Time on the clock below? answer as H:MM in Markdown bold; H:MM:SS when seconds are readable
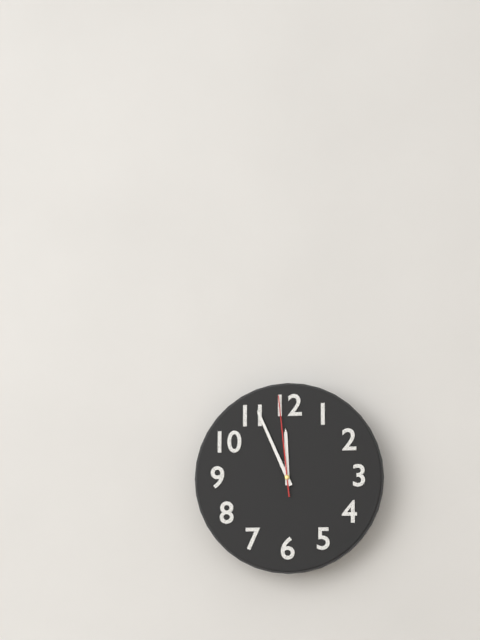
**11:56:59**
